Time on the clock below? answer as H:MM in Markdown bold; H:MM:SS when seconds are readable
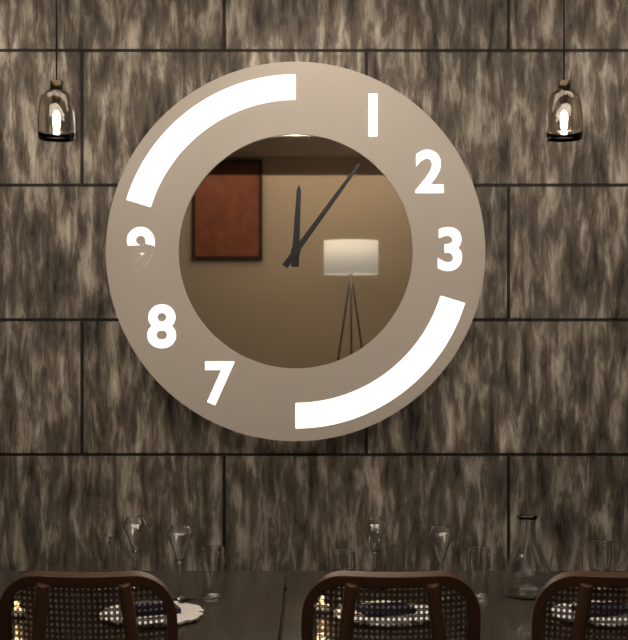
**12:06**
